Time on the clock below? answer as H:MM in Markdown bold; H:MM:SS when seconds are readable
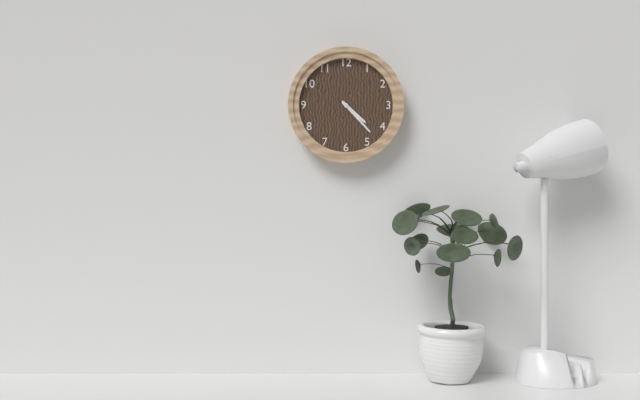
**4:23**
